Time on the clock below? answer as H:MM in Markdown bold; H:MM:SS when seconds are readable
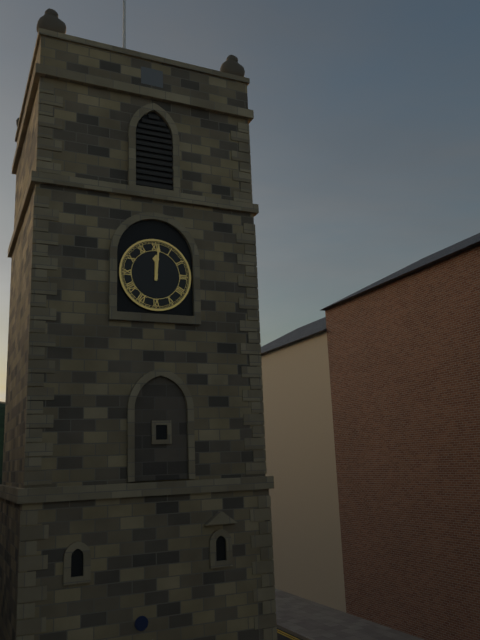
**12:01**
